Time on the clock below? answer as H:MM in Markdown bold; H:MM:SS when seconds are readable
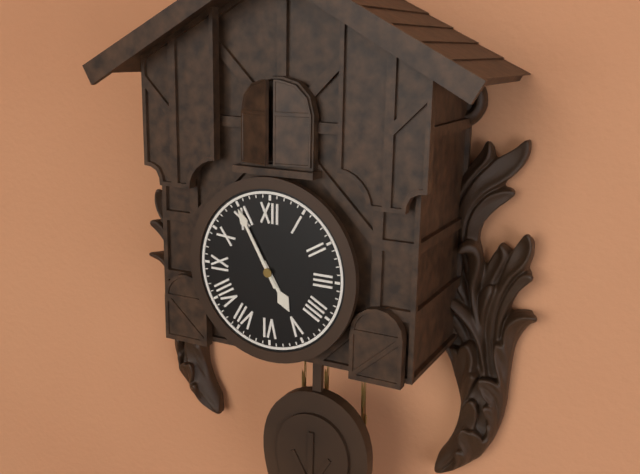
**4:55**
